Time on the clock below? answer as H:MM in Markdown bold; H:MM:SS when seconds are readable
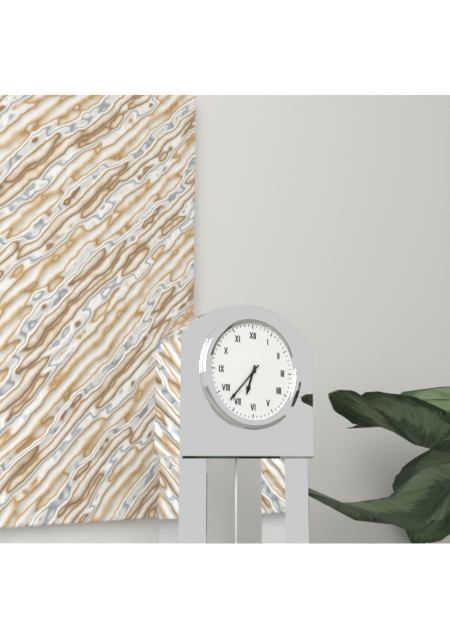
**6:37**
